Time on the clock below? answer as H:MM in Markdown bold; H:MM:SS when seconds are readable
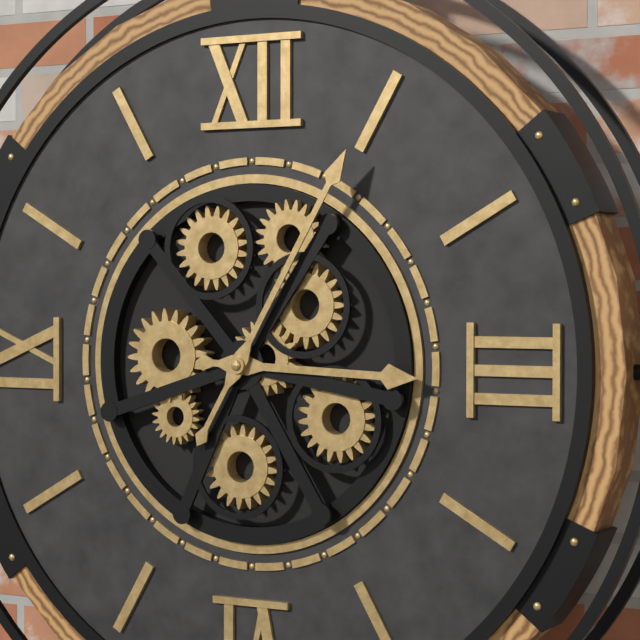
**3:05**
